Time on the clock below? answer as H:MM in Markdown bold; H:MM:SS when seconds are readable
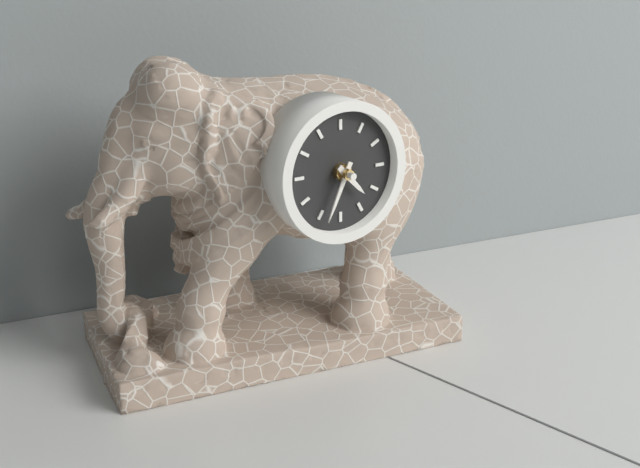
**4:34**
